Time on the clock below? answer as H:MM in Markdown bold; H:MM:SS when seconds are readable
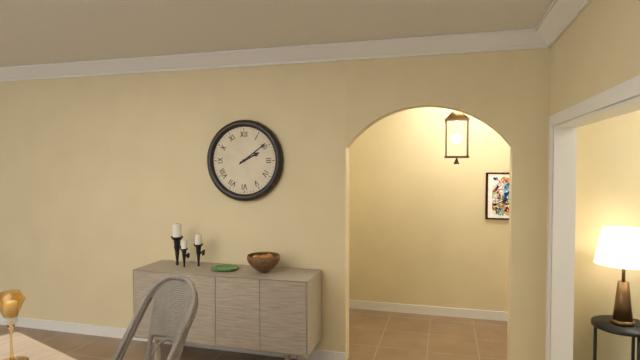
**2:09**
